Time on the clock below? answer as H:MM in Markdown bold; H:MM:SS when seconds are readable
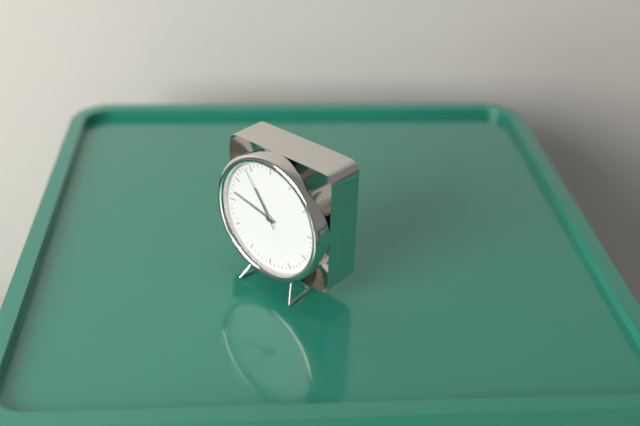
**10:47:54**
